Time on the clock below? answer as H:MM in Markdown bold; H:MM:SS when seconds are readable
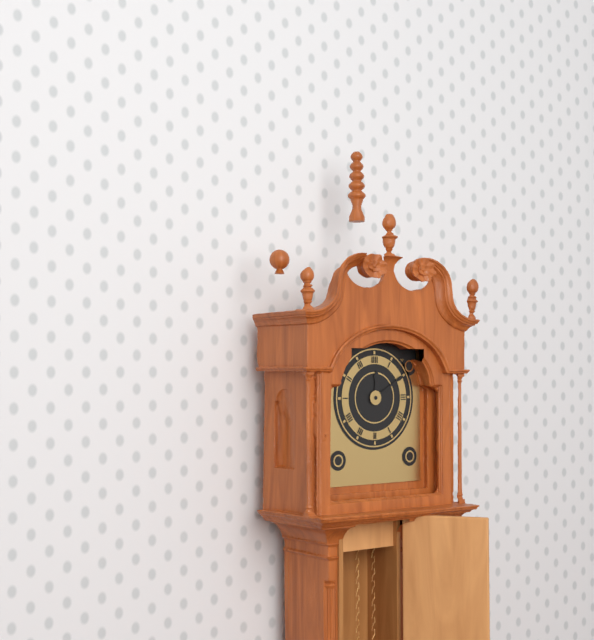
**12:10**
